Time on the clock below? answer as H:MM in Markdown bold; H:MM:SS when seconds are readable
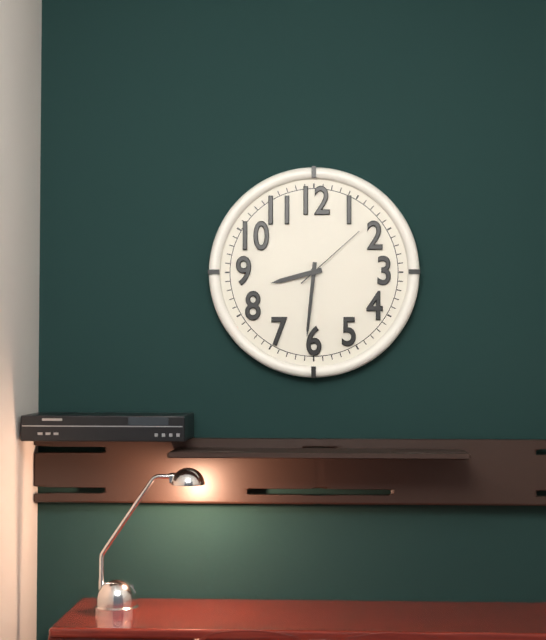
**8:31:08**
